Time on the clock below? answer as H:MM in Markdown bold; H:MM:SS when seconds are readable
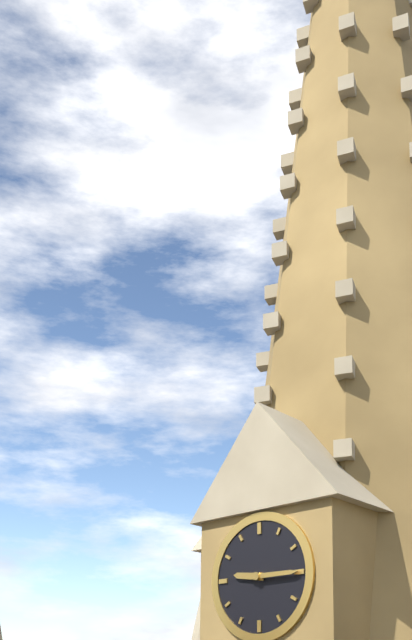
**9:15**
